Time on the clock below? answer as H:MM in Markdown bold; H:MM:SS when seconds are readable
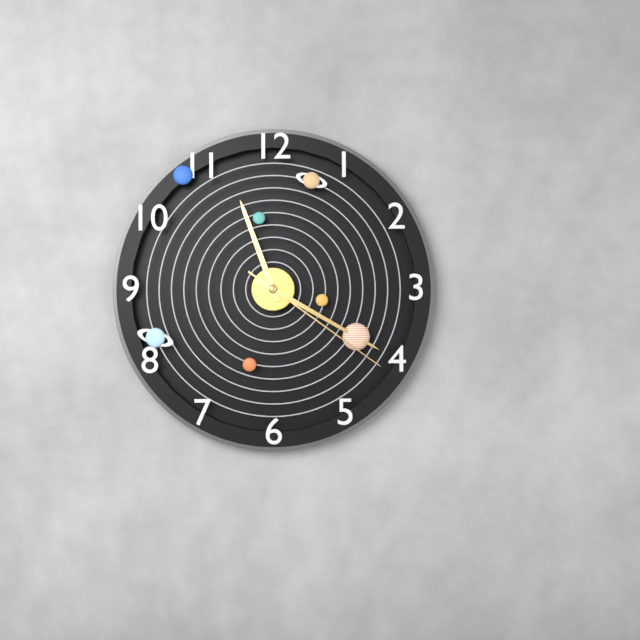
**11:20:21**
